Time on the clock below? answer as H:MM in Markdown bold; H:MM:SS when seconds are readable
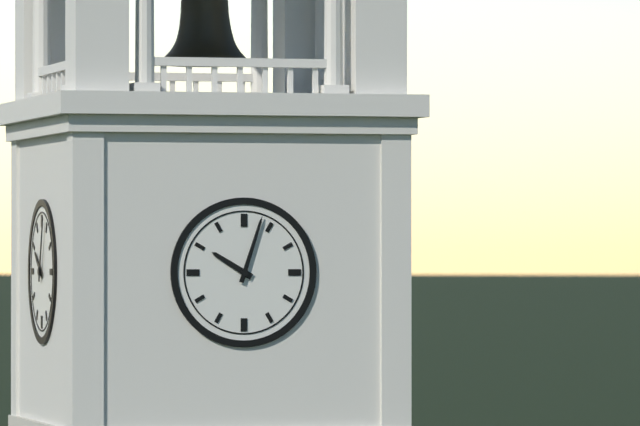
**10:03**
